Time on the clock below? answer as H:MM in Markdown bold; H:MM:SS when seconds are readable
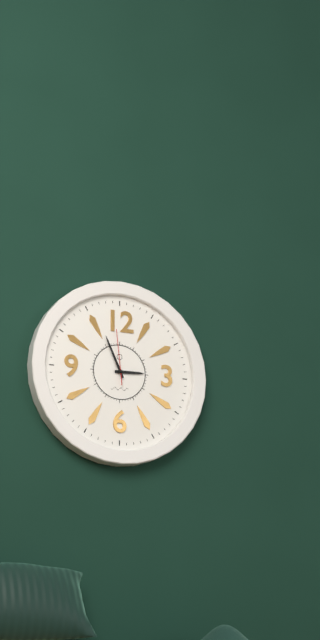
**2:56:59**
